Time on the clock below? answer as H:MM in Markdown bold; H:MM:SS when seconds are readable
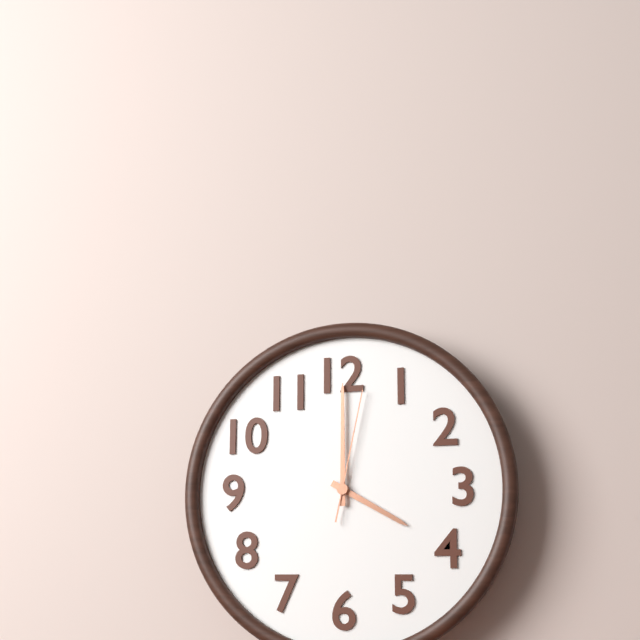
**4:00:02**
